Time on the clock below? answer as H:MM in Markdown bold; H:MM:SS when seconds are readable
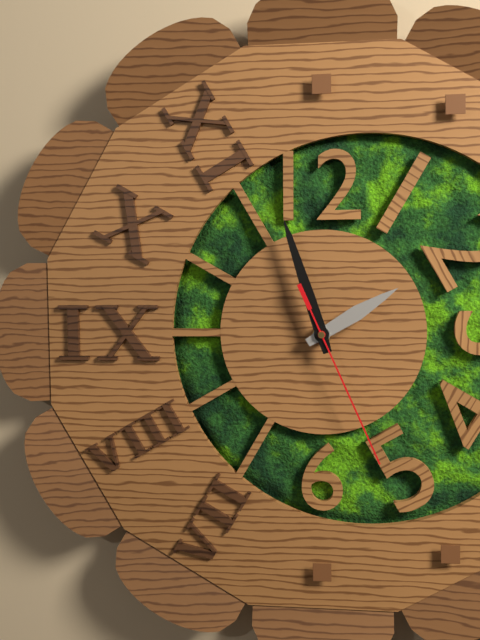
**1:57:26**
